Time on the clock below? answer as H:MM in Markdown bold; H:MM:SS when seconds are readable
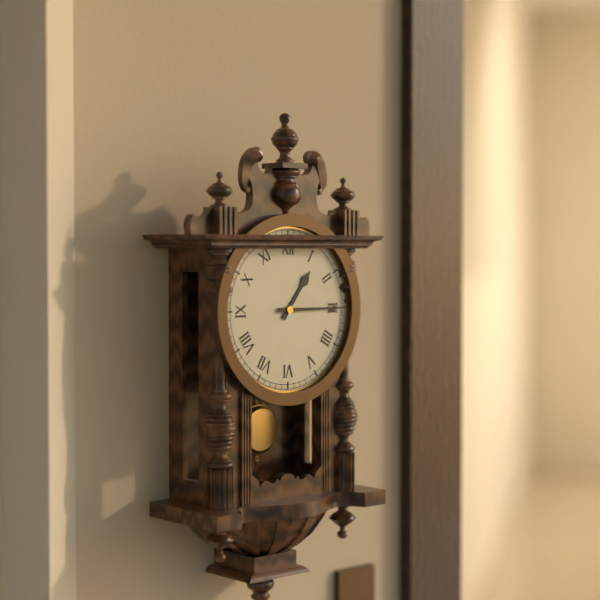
**1:15**
